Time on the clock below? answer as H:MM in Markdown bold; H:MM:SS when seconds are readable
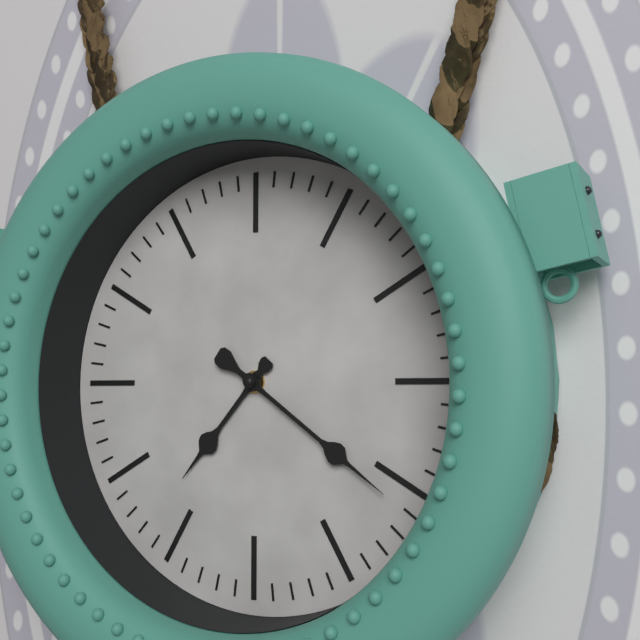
**7:21**
